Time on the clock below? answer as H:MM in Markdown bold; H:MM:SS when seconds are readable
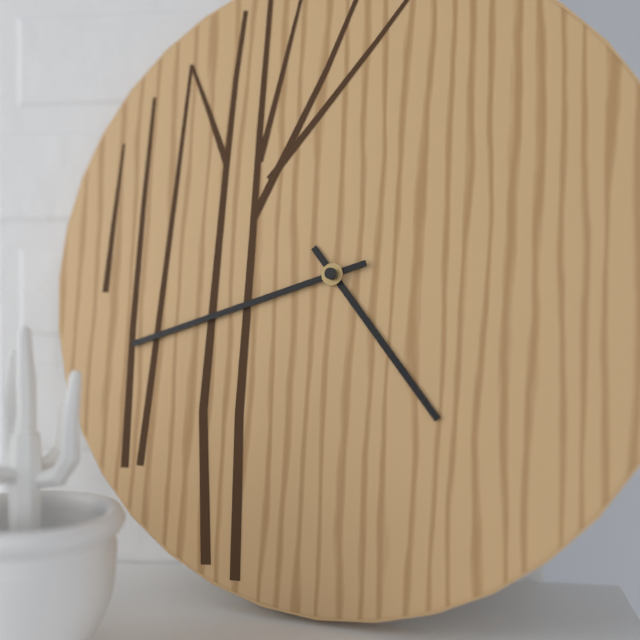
**4:42**
